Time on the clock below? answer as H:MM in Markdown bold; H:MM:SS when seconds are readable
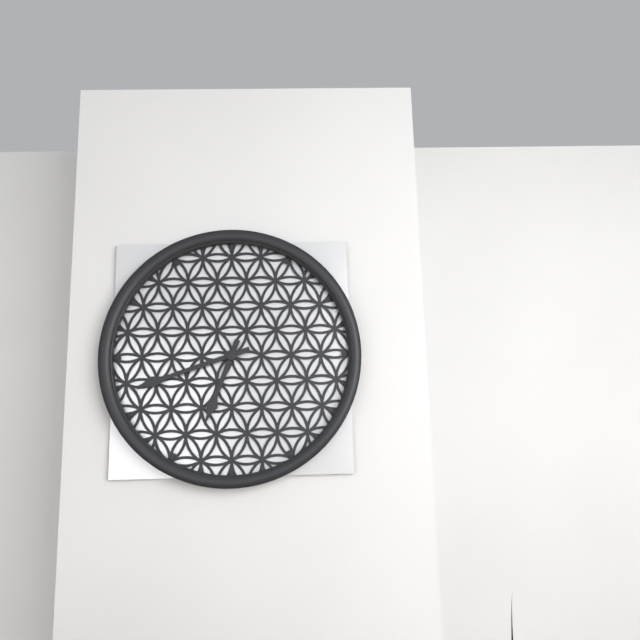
**6:42**
